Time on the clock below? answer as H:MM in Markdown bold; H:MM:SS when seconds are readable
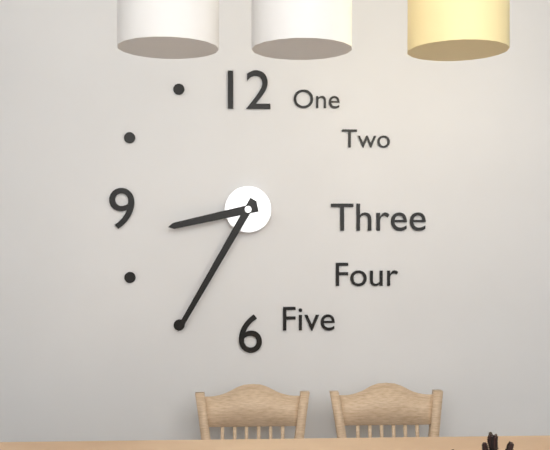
**8:35**
